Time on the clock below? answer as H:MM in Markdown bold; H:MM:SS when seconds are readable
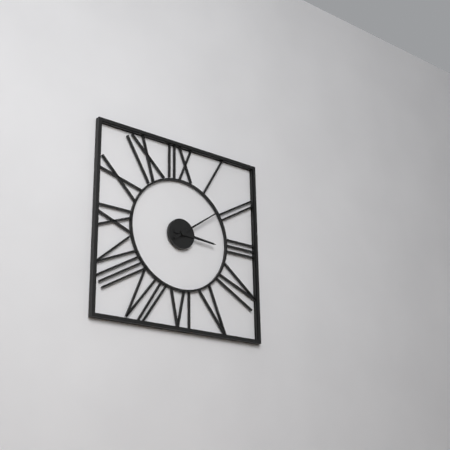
**3:09**
